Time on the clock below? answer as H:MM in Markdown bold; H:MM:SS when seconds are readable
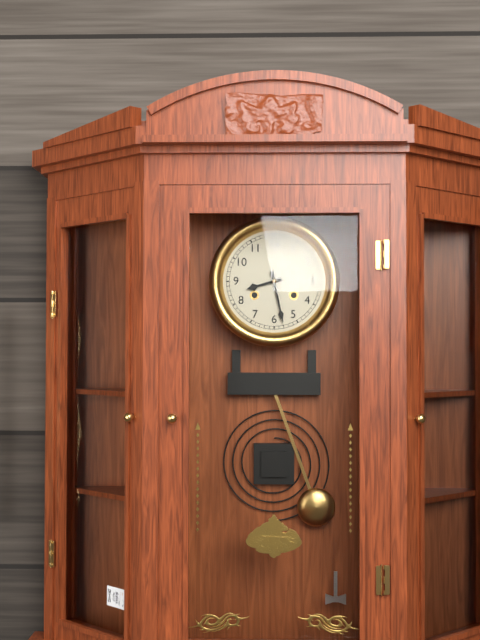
**8:28**
